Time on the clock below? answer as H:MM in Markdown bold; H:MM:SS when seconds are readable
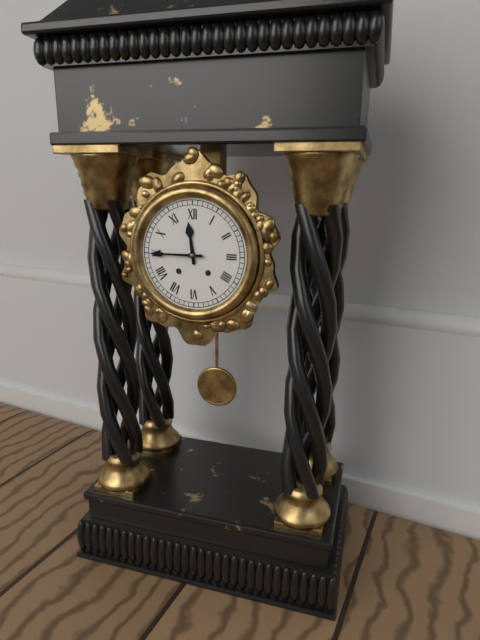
**11:45**
